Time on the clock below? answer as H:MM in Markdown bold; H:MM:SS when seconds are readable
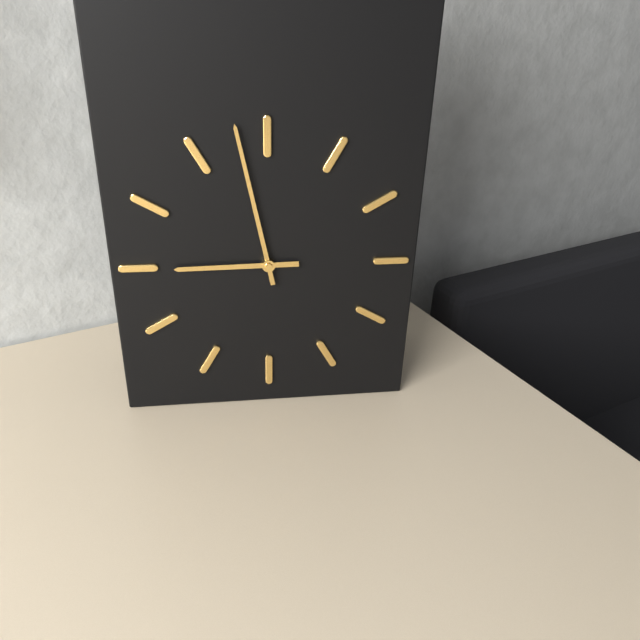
**8:58**
